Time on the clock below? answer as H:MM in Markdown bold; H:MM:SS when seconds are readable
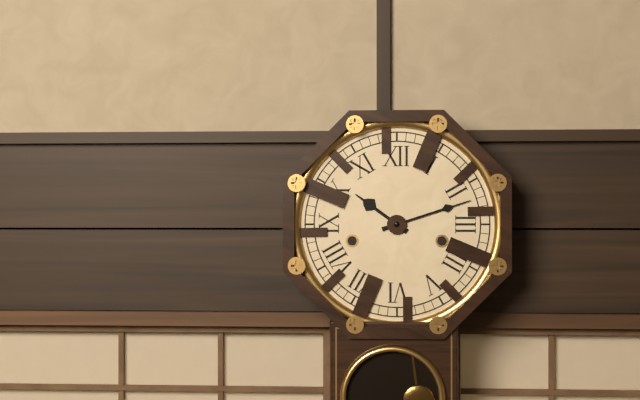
**10:12**
